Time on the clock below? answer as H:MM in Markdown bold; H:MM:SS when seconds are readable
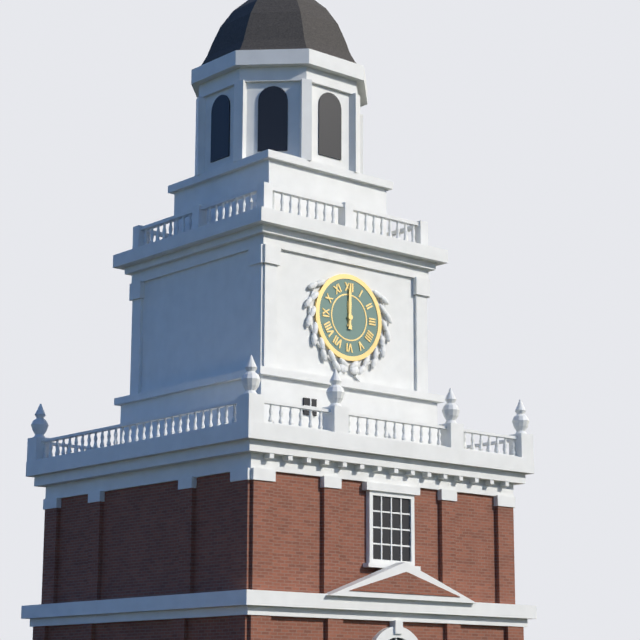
**12:00**
